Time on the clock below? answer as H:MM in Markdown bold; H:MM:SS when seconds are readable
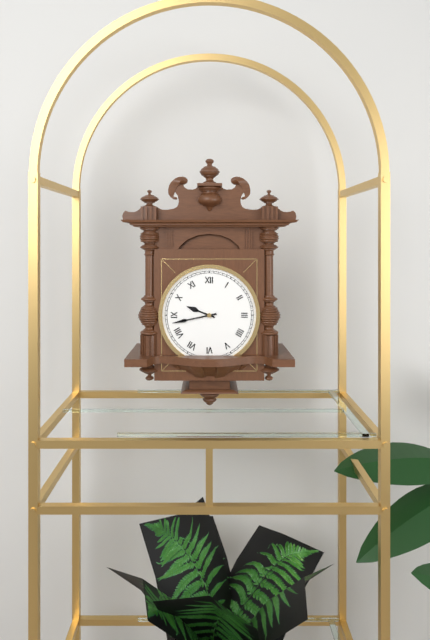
**9:43**
